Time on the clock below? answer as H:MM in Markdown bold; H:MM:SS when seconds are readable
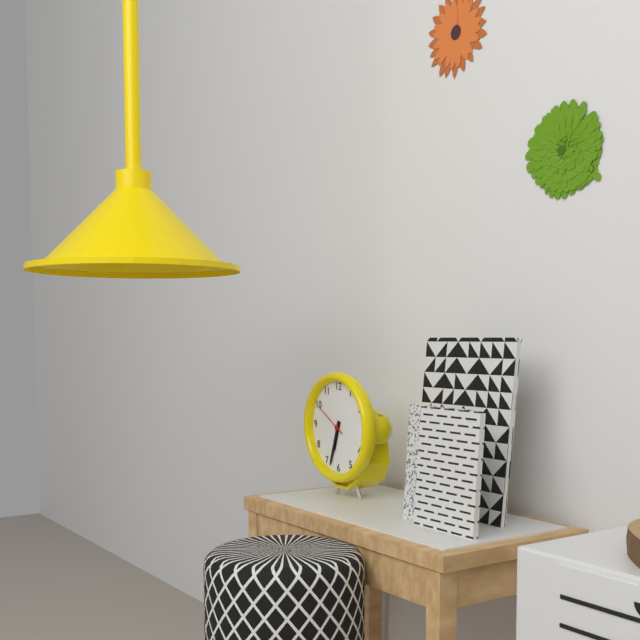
**6:33**
